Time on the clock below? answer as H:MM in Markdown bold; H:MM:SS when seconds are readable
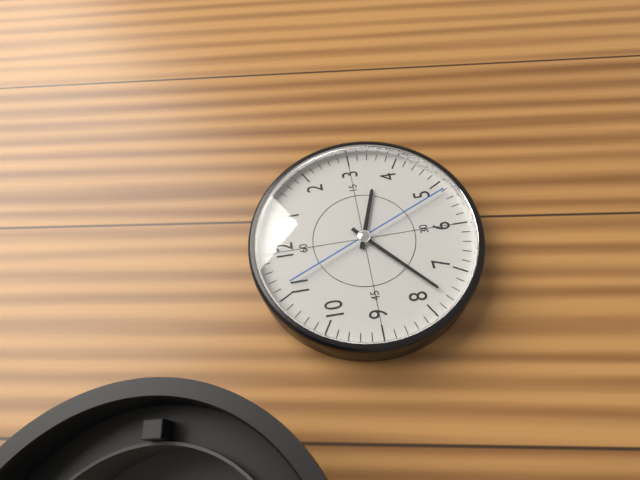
**3:38:26**
